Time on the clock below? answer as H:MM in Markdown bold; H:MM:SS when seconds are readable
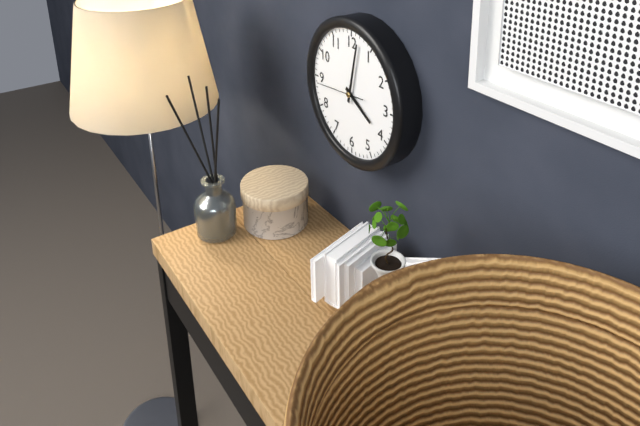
**4:02**
